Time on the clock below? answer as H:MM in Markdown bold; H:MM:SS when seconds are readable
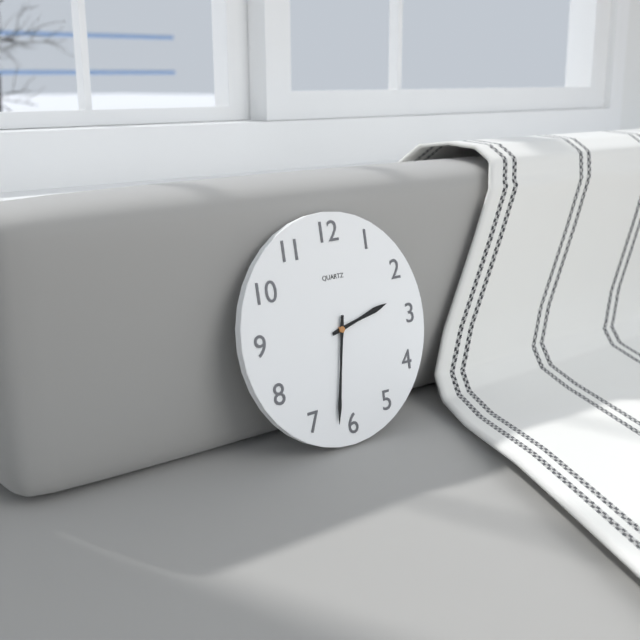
**2:32**
